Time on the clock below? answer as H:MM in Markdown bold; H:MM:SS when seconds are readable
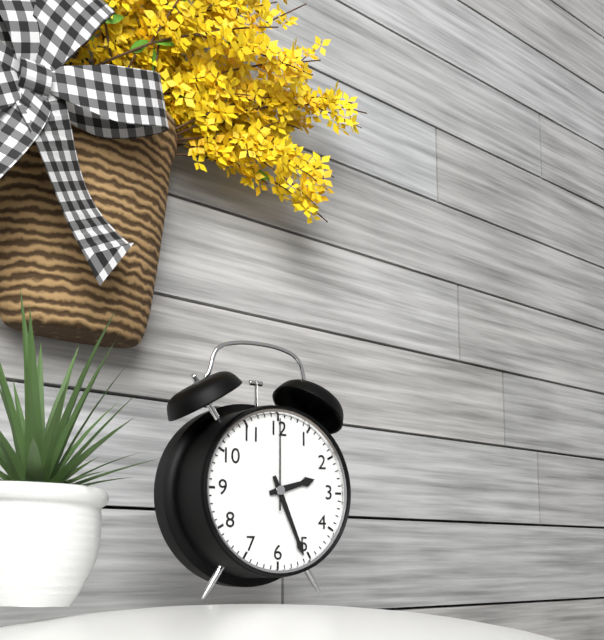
**2:26:00**
